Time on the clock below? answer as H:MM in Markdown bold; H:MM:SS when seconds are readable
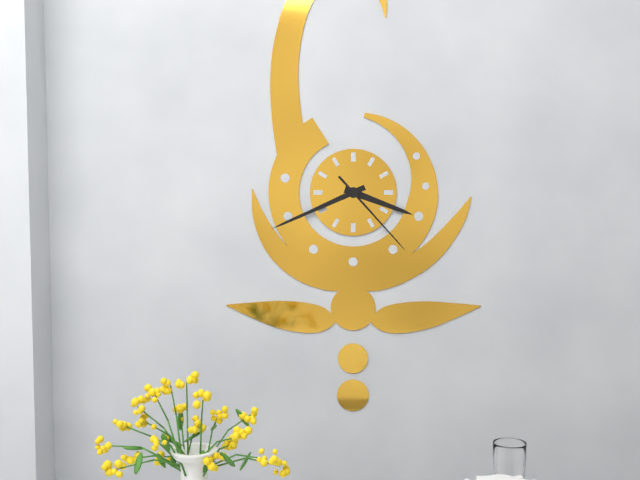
**3:41:23**
